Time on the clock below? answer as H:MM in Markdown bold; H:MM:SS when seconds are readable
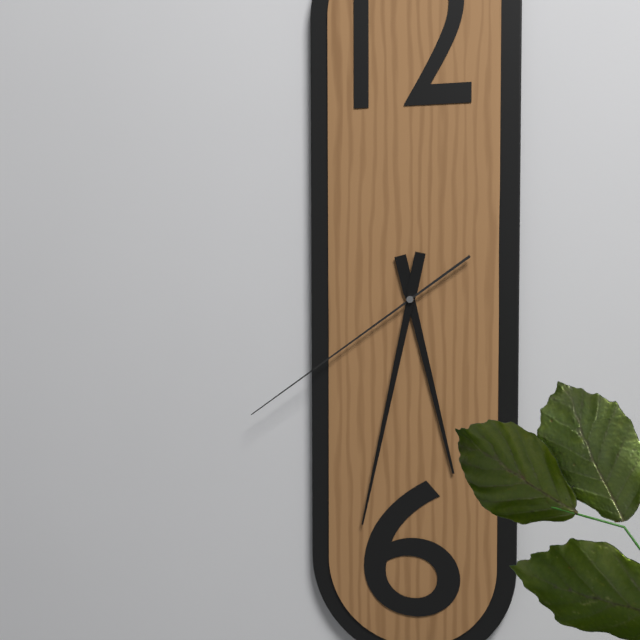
**5:32:39**
